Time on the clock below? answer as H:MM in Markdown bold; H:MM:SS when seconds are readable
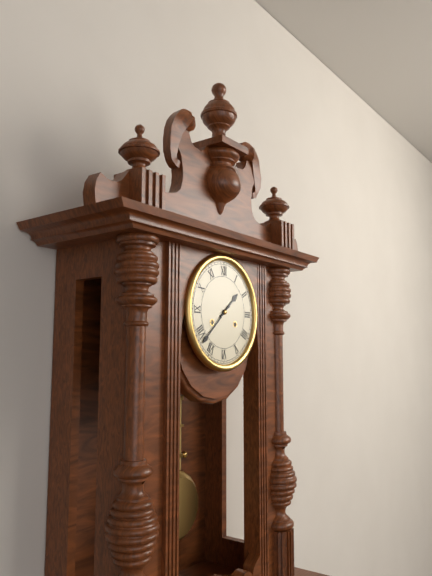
**1:38**
